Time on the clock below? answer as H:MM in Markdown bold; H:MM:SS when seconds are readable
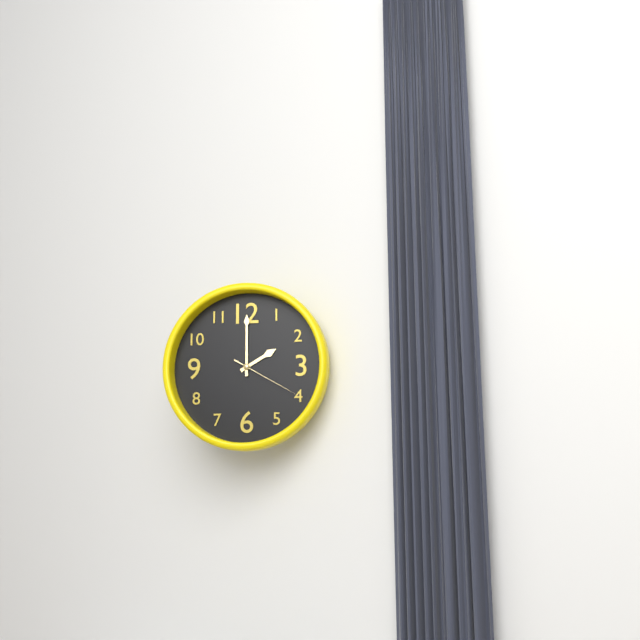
**2:00:20**
